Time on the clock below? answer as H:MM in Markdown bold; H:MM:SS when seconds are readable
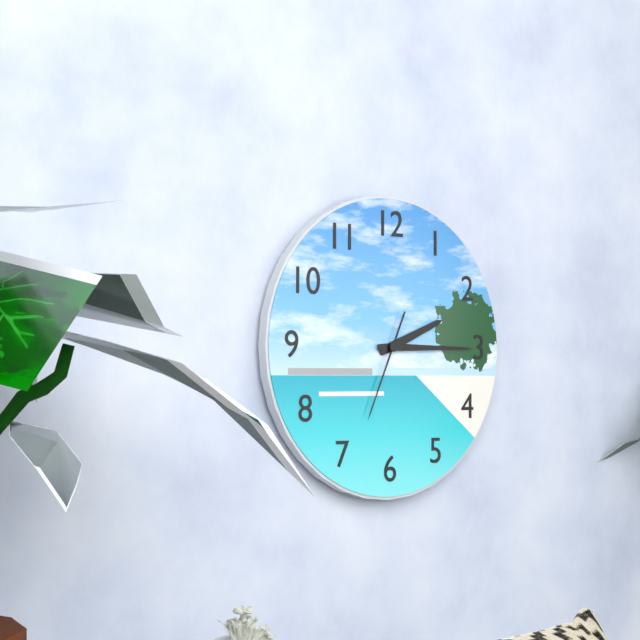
**2:15:34**
